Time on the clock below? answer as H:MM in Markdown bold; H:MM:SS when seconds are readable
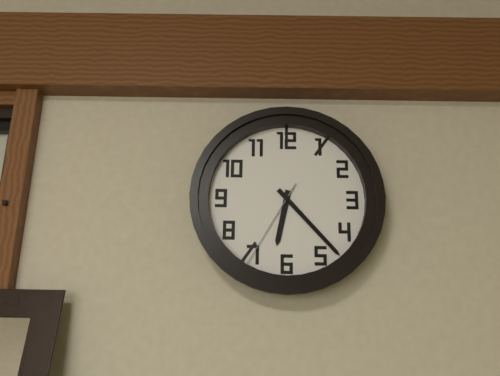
**6:23:35**
